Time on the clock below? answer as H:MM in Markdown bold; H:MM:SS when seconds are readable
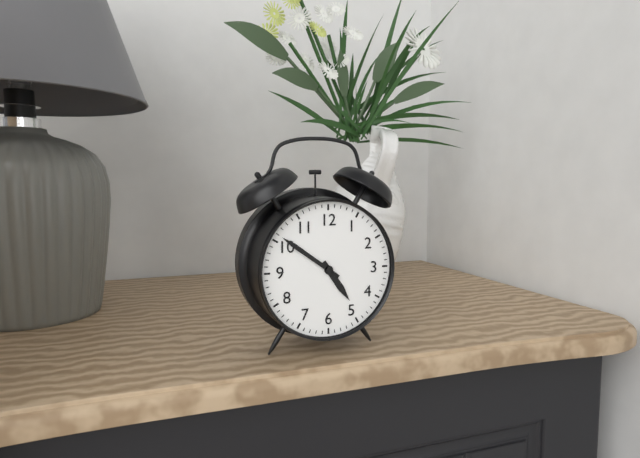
**4:51**
